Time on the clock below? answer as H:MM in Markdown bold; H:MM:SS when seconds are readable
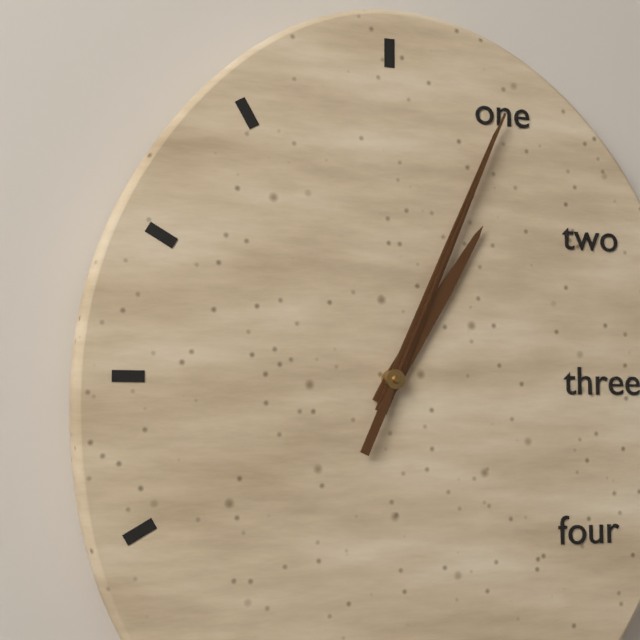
**1:04:04**
